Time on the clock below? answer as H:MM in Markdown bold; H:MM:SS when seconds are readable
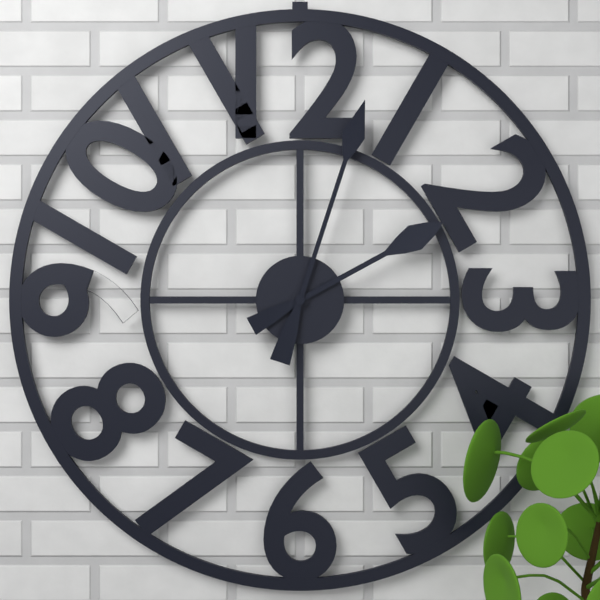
**2:03**
